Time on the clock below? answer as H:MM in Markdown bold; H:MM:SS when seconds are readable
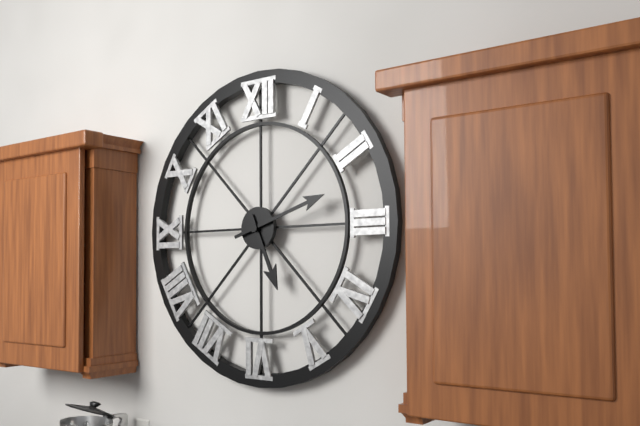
**5:12**
